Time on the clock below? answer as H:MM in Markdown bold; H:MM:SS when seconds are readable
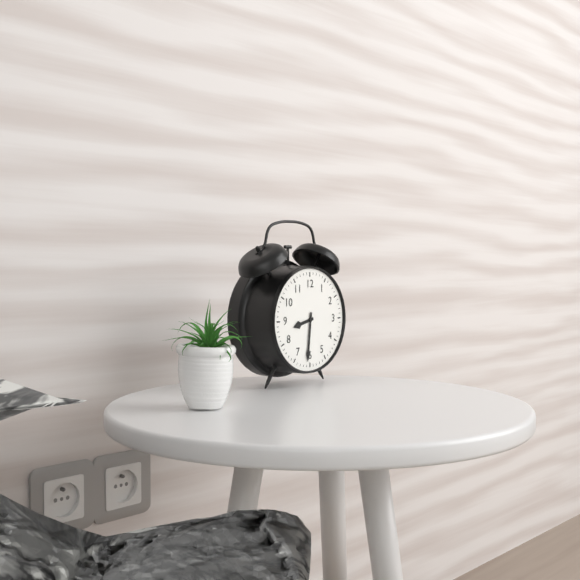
**8:31**
